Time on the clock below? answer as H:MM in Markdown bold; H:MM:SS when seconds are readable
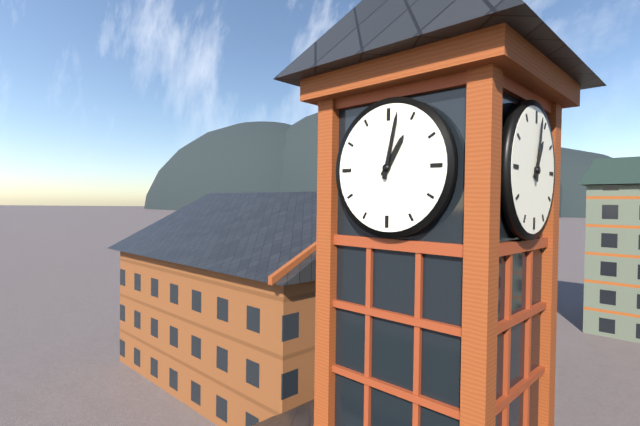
**1:02**
